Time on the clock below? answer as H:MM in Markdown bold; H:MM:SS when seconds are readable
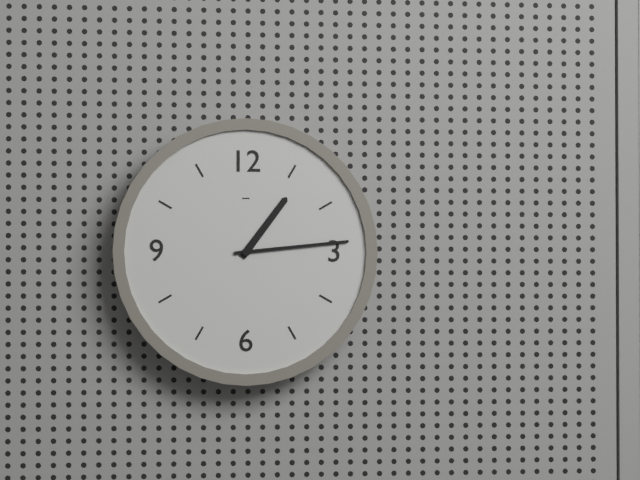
**1:14**
